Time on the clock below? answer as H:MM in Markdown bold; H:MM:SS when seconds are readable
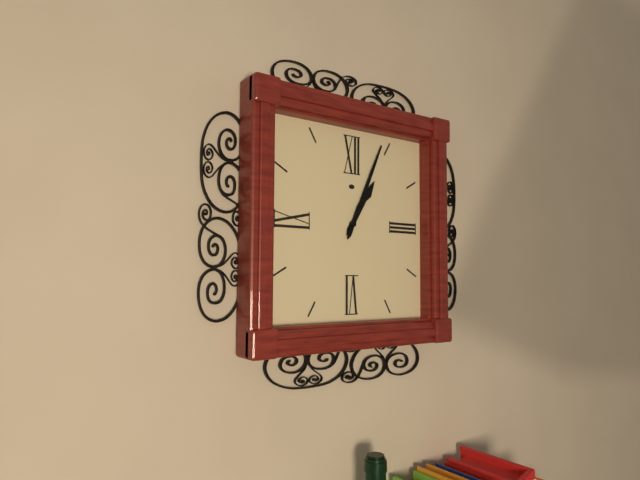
**1:04**
